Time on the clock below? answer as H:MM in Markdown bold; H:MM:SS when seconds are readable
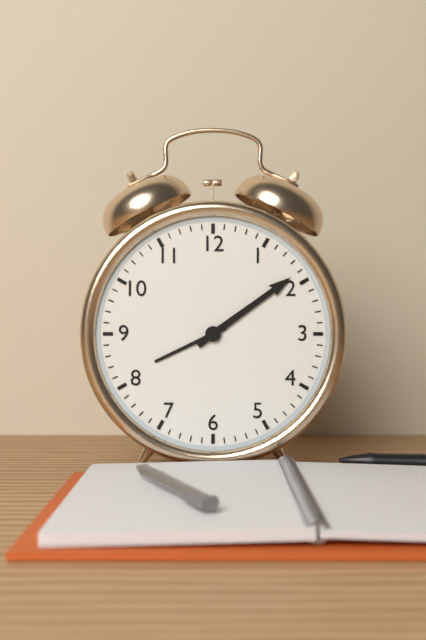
**8:09**
